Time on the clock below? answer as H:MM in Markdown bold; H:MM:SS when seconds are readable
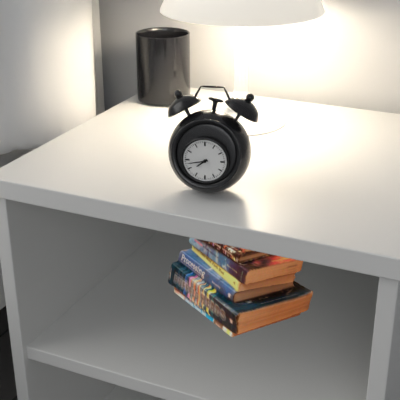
**7:43**
